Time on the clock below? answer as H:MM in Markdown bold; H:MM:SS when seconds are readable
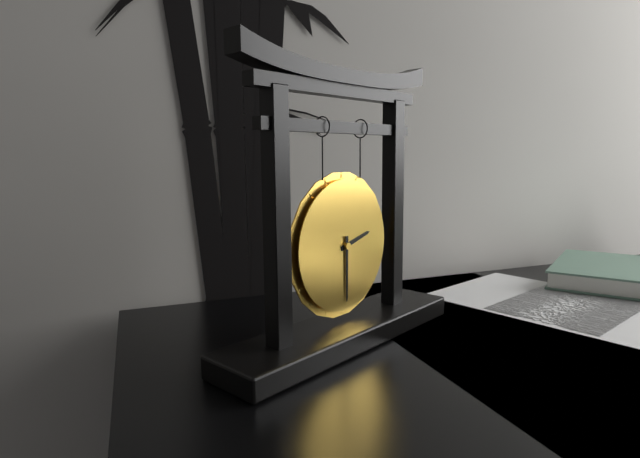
**2:30**
